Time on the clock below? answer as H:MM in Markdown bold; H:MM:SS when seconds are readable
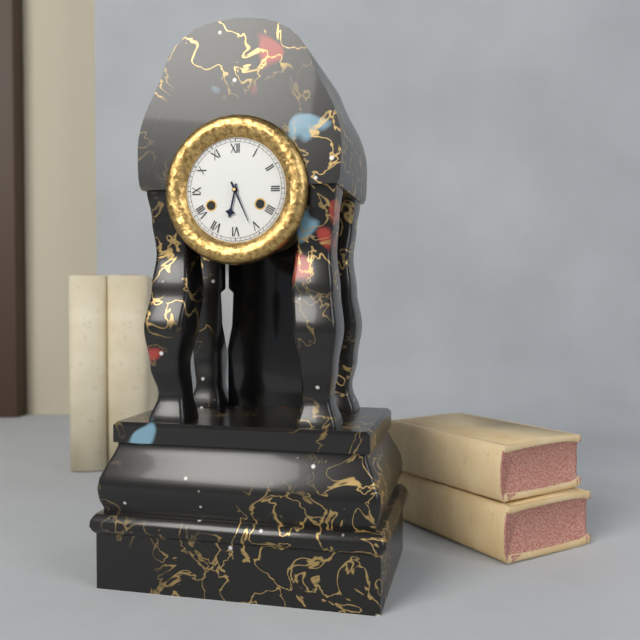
**6:26**
